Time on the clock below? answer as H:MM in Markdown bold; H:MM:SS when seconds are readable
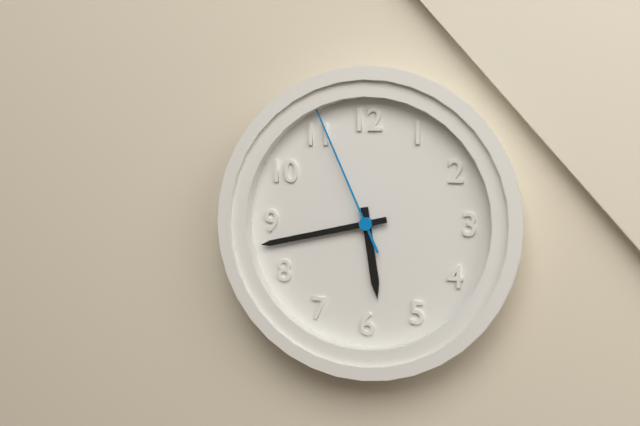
**5:43:56**
